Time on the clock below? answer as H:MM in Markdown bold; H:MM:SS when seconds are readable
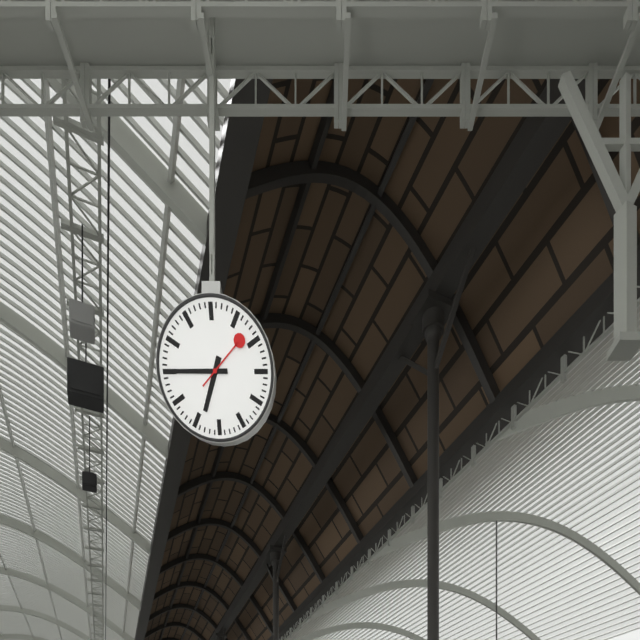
**6:45:08**
